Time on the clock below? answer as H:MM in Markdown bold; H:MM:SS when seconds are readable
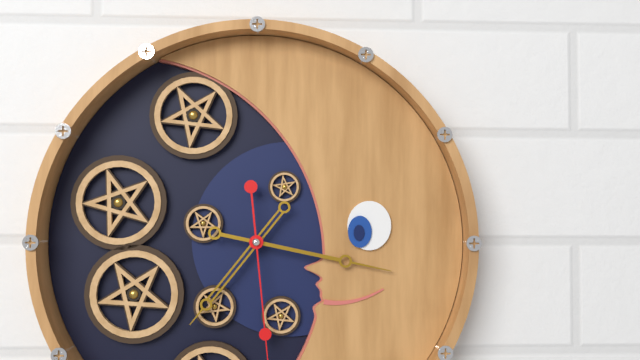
**7:17**
